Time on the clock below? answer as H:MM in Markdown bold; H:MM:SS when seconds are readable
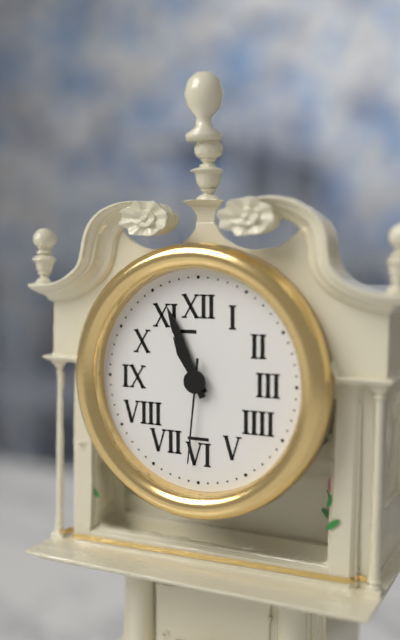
**10:56:31**
